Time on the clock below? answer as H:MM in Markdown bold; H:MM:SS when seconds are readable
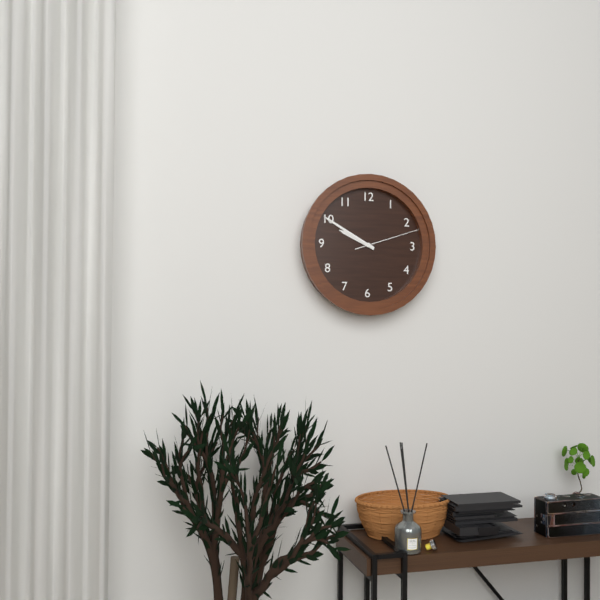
**9:50:12**
